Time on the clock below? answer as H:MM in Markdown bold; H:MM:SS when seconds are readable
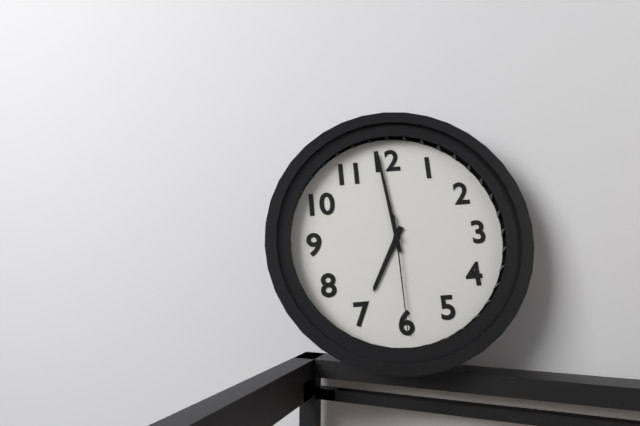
**6:59:30**
